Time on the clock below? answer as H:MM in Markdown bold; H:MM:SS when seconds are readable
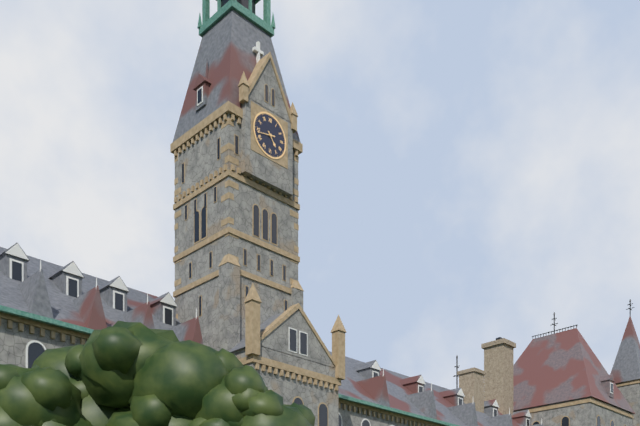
**4:43**
